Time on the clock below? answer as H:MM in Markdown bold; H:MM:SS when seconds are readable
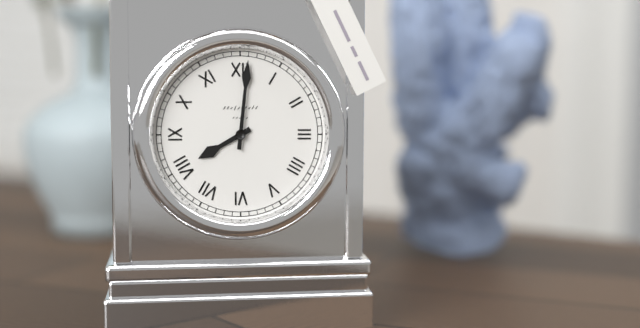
**8:01**
